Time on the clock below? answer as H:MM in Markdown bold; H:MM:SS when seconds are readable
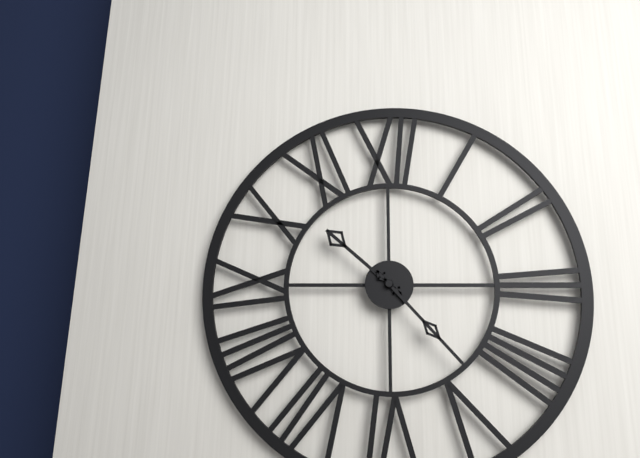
**10:23**
